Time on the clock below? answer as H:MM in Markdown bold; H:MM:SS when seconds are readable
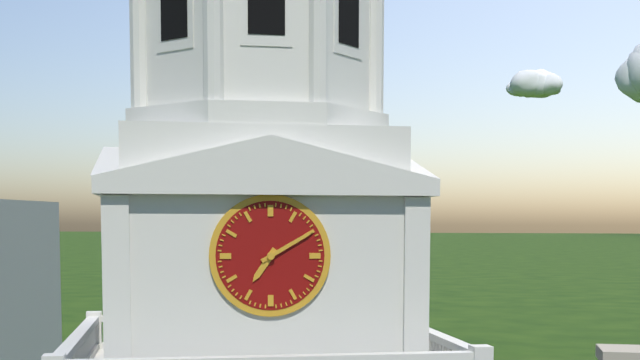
**7:10**
